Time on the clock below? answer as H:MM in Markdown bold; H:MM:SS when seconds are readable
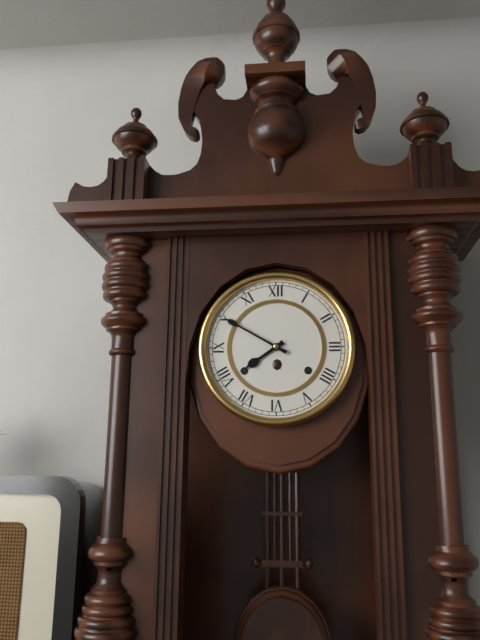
**7:50**
